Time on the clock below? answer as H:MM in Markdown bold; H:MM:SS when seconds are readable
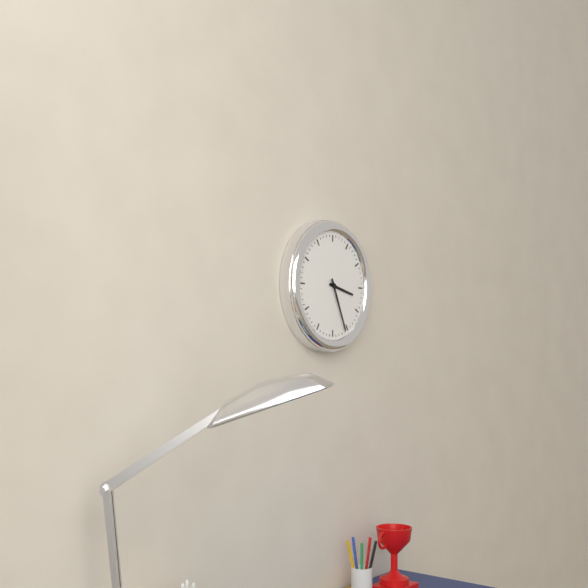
**3:26**
